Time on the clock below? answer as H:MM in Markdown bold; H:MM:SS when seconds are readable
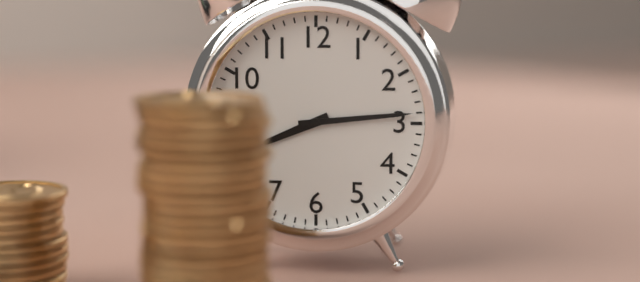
**8:14**
